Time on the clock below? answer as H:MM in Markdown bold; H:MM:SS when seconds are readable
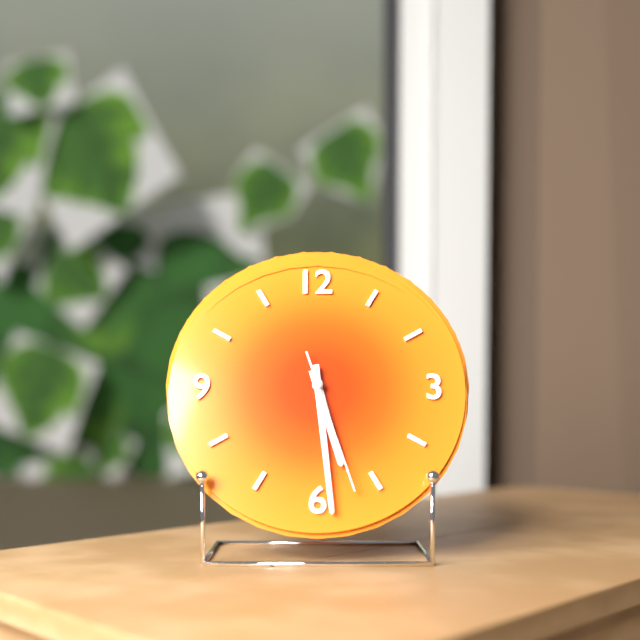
**5:29:27**
